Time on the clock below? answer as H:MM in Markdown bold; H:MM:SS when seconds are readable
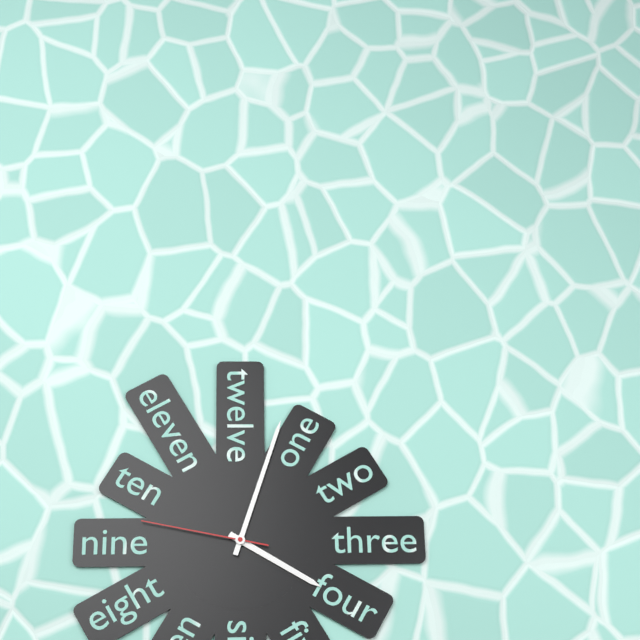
**4:03:47**
